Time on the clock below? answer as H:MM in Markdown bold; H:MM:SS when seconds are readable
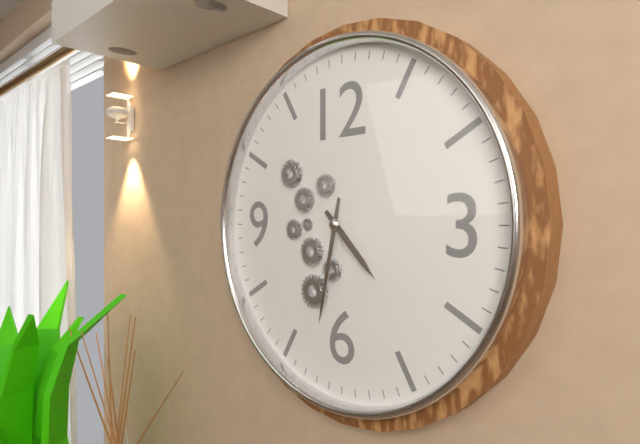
**4:32**
